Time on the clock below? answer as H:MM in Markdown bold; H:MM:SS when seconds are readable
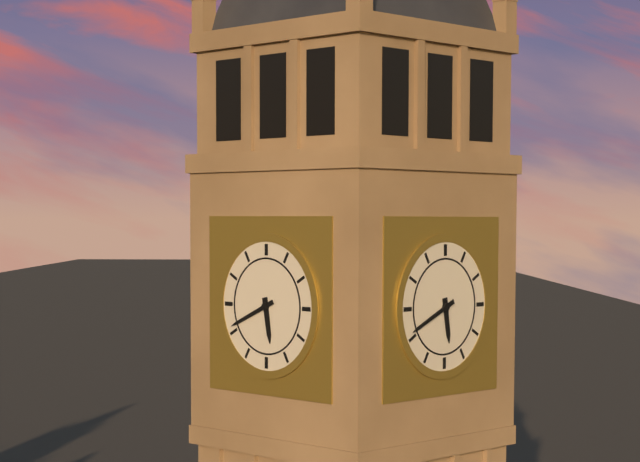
**5:41**
